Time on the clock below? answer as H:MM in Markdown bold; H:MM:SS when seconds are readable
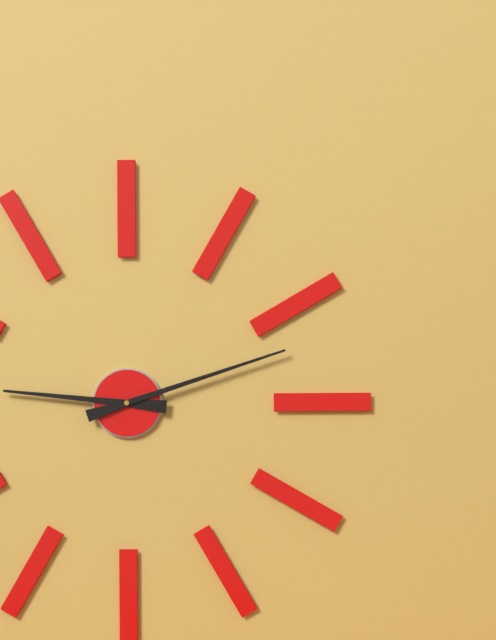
**9:12**
